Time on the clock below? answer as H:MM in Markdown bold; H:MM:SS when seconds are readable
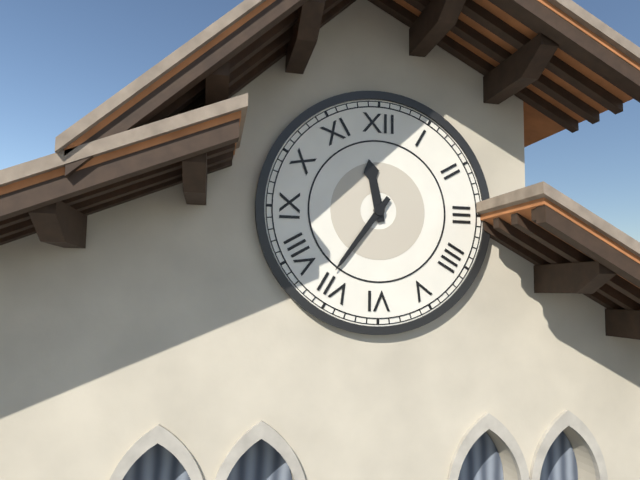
**11:36**
